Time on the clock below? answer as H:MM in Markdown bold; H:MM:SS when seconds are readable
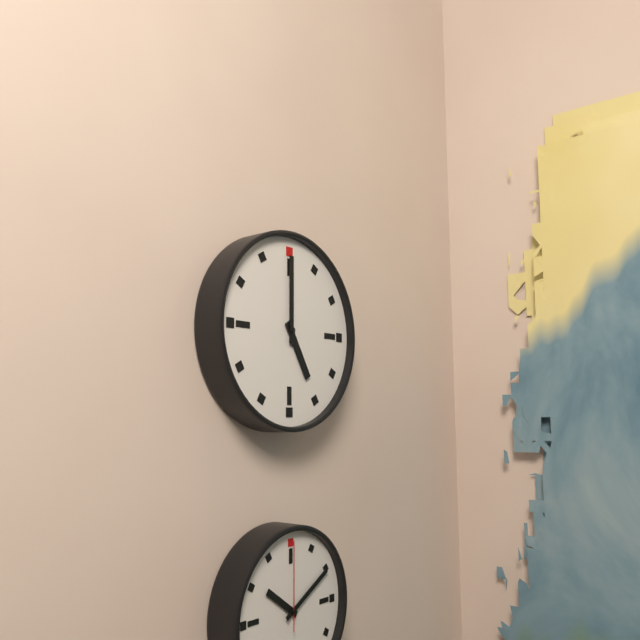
**5:00**
